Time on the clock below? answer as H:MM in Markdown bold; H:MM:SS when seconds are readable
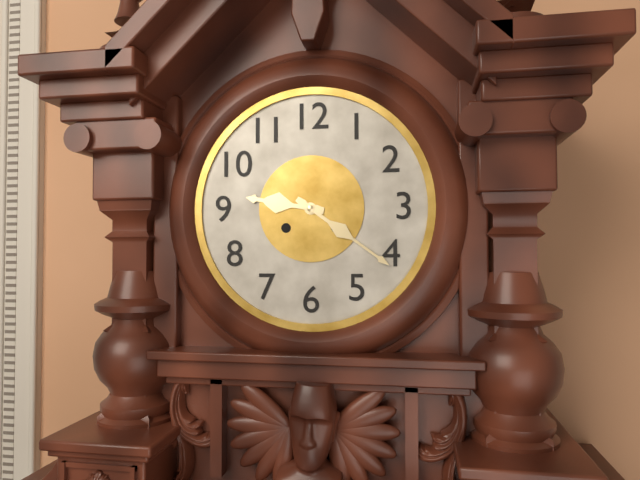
**9:21**
